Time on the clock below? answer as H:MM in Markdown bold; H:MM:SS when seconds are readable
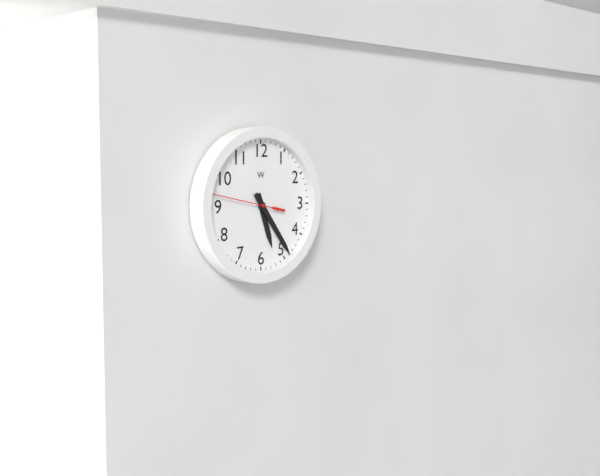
**5:24:47**
